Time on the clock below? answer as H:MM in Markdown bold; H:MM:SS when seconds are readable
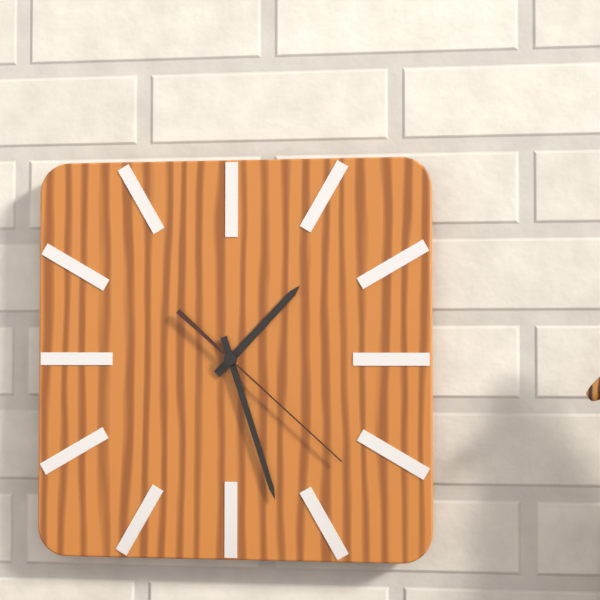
**1:27:22**
